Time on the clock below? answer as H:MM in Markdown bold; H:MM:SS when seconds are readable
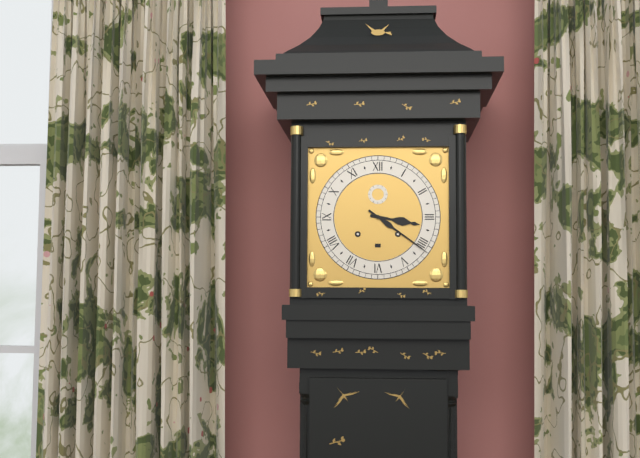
**3:21**
